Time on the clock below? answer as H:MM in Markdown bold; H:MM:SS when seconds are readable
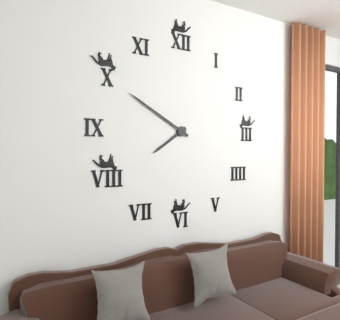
**7:50**
